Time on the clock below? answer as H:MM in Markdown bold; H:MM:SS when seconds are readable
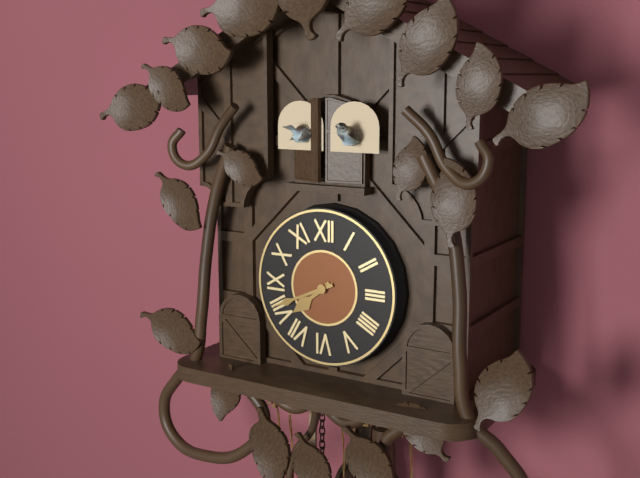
**7:41**
